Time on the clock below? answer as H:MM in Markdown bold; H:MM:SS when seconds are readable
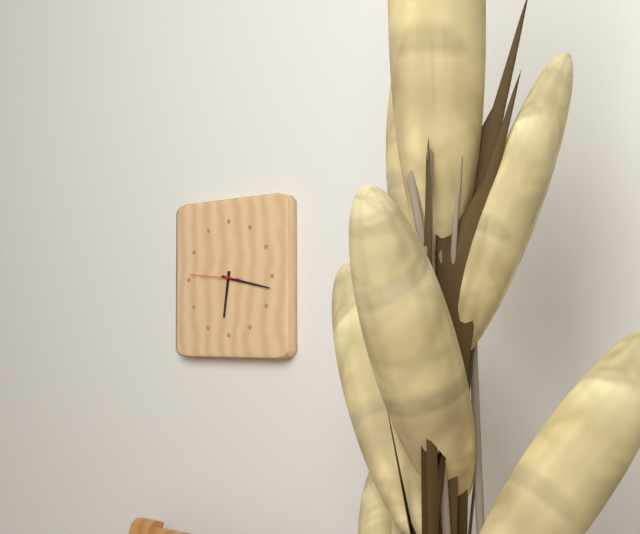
**6:17**
